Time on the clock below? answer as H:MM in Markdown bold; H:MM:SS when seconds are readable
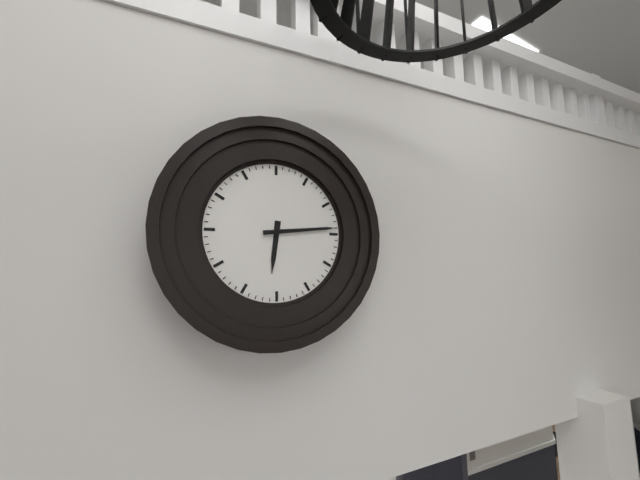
**6:14**
